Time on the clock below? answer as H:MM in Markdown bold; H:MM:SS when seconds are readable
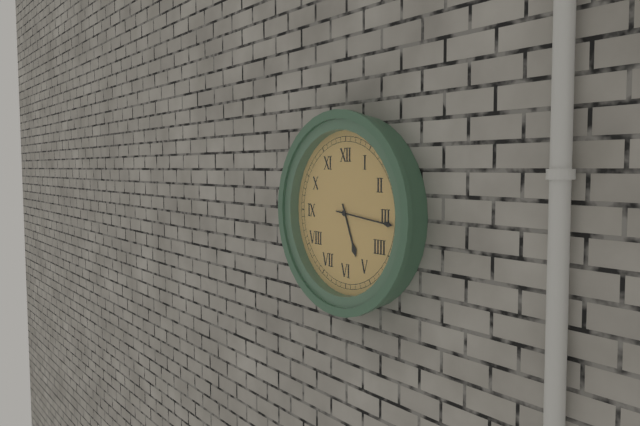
**5:16**
